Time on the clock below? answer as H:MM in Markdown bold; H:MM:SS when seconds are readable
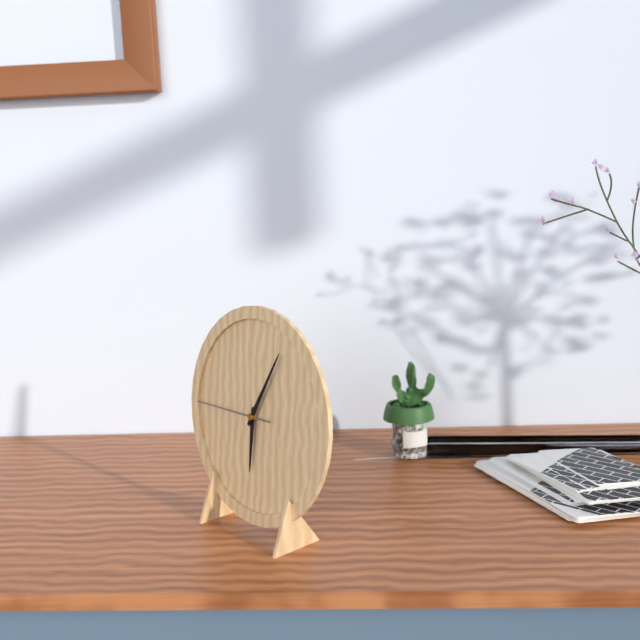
**6:05:45**
